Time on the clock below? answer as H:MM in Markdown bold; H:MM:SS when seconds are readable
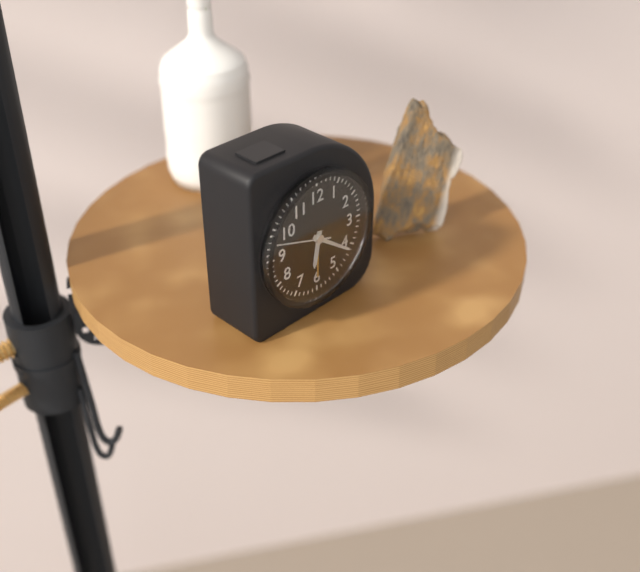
**6:21:48**
